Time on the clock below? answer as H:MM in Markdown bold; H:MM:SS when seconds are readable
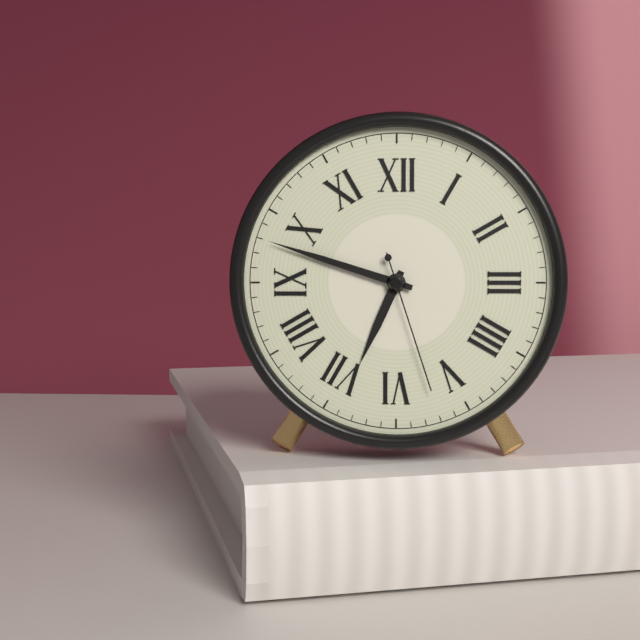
**6:48:27**
